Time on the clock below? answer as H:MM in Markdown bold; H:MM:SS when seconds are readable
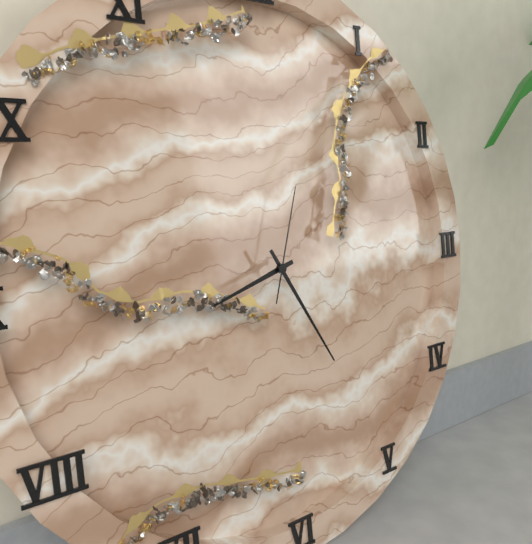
**8:25:03**
